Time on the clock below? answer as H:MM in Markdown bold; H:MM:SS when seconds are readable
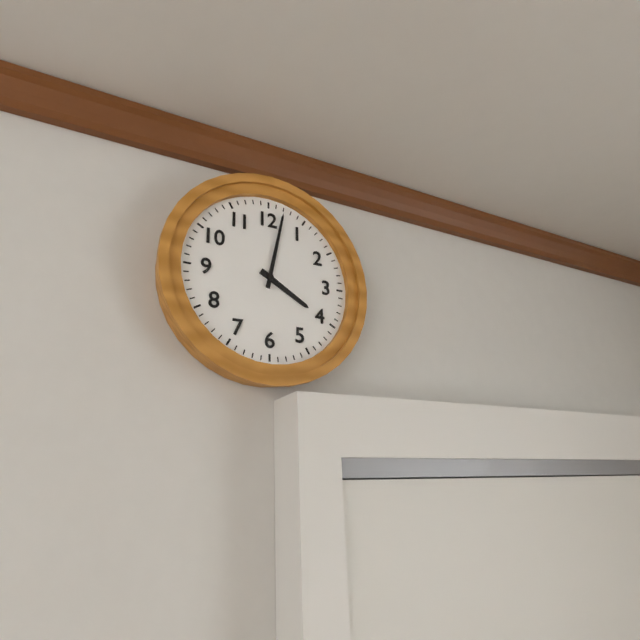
**4:02**
